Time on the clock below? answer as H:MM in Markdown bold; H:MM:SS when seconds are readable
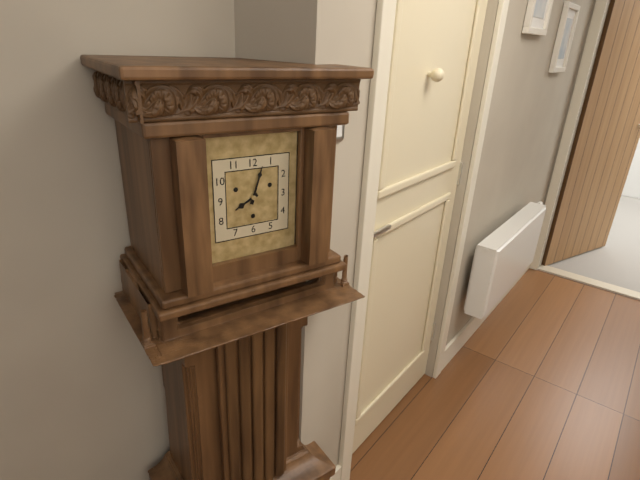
**8:03**
